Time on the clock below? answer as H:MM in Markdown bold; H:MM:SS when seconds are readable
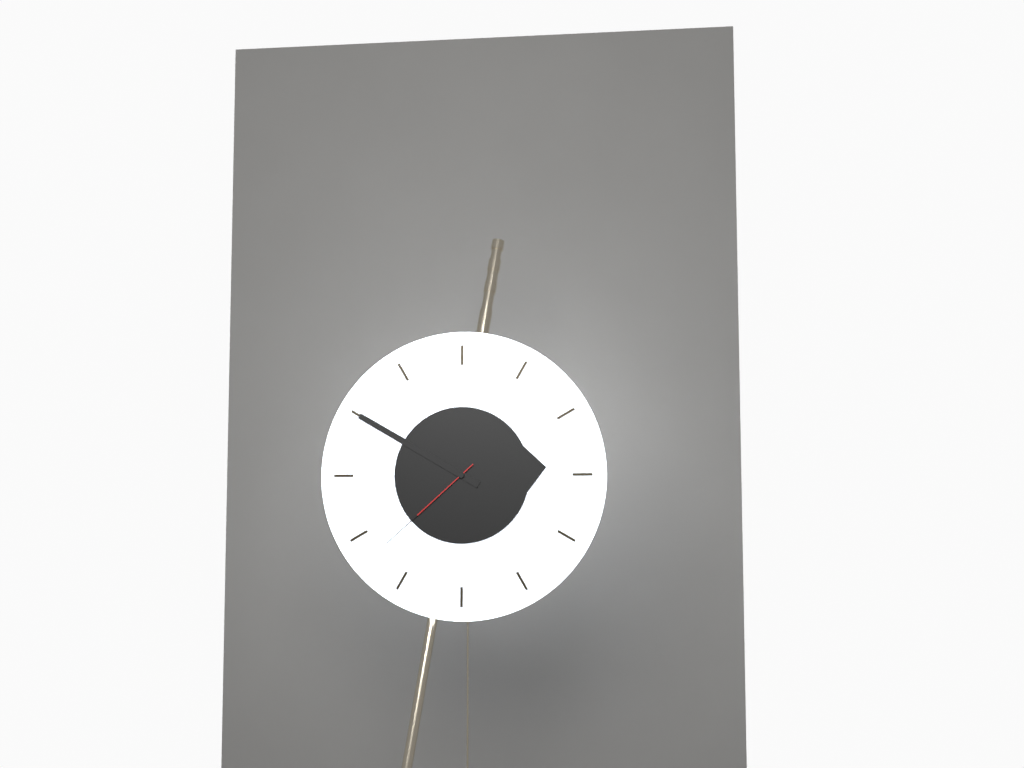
**2:50:38**
